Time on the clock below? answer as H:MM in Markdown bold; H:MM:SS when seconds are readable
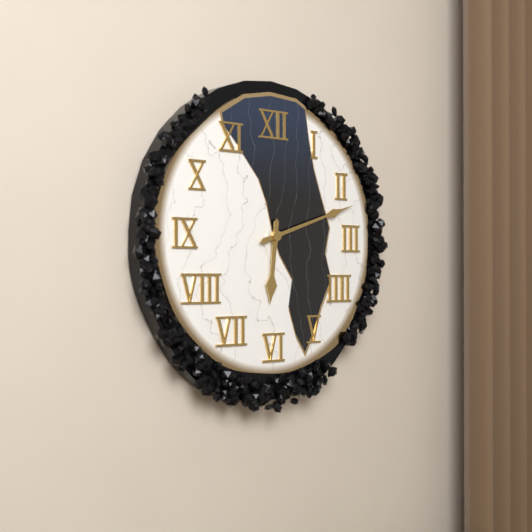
**6:12**
